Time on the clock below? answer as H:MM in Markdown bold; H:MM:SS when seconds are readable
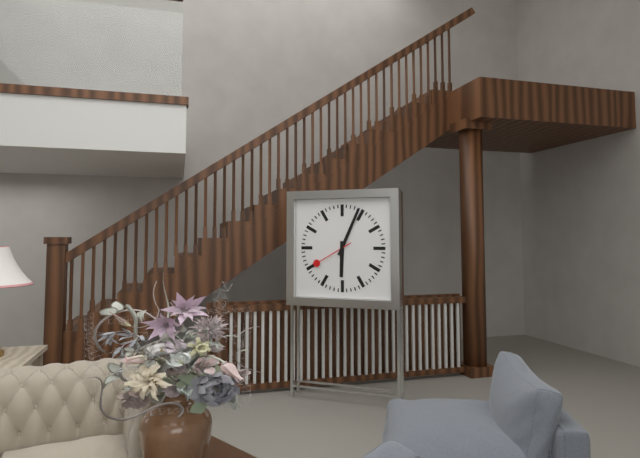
**6:04**
